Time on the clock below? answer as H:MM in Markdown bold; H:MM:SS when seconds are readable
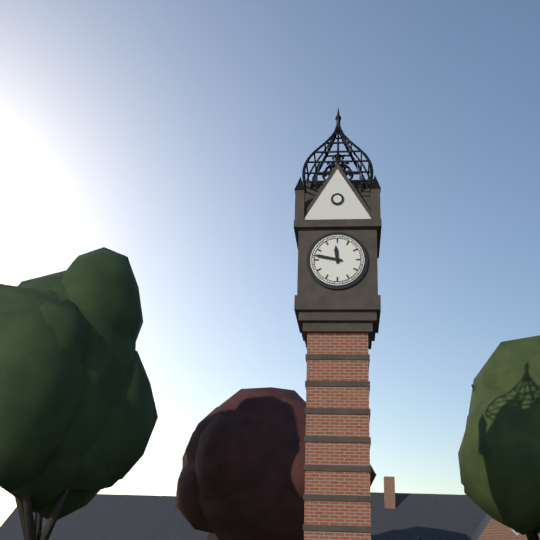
**11:47**
